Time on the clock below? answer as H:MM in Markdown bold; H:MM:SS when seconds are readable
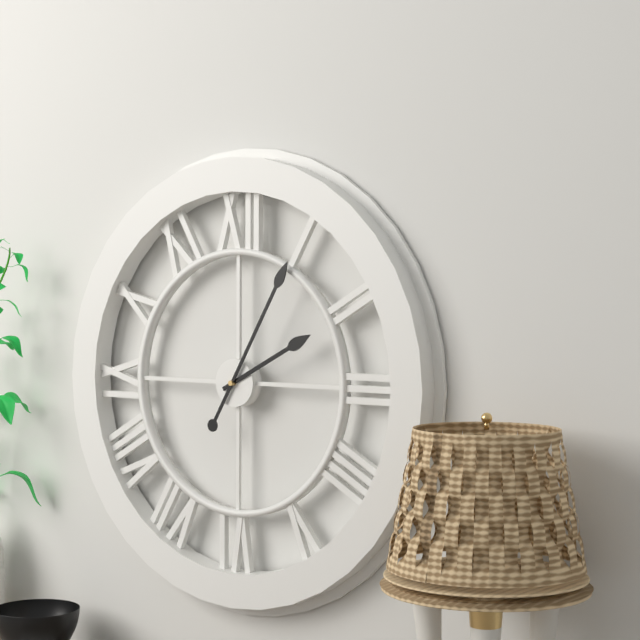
**2:05**
